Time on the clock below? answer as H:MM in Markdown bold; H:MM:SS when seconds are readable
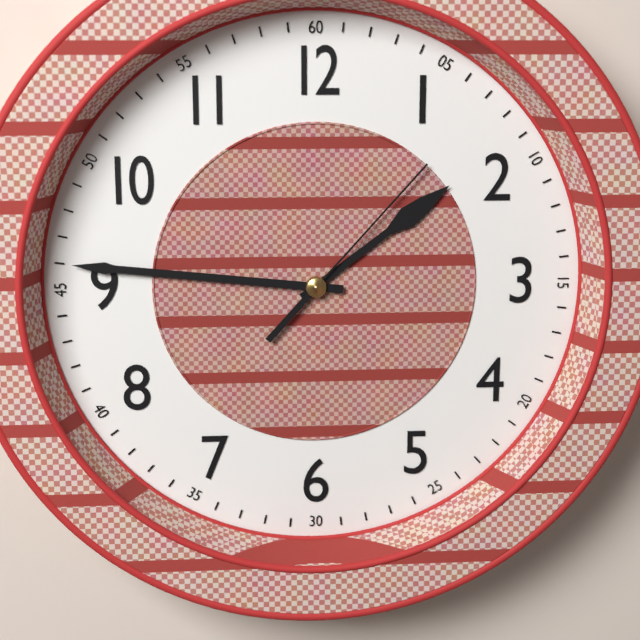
**1:46:07**
